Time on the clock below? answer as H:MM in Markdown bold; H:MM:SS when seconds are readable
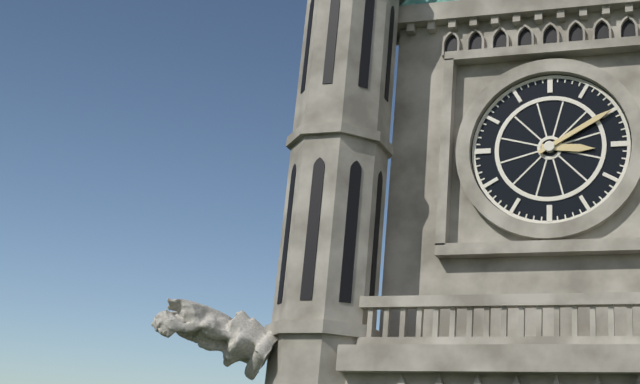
**3:10**
